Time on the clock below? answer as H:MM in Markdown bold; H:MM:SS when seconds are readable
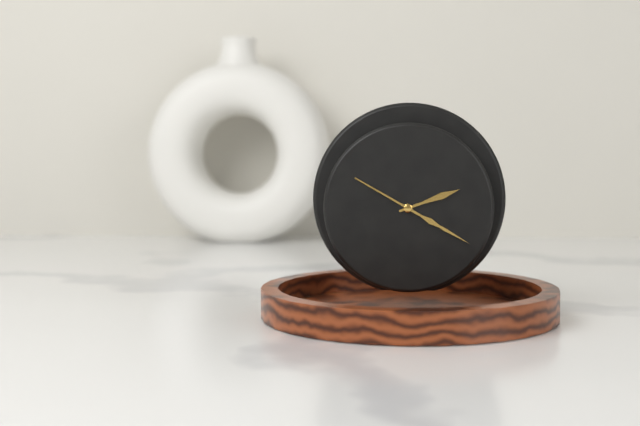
**2:20**
